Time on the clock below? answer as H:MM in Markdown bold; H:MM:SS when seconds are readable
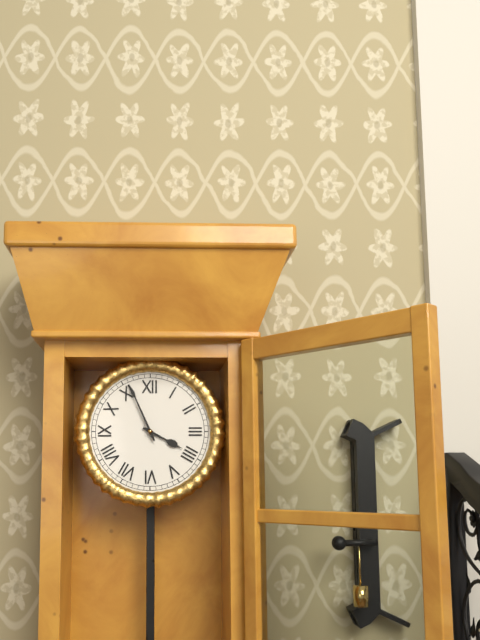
**3:56**
